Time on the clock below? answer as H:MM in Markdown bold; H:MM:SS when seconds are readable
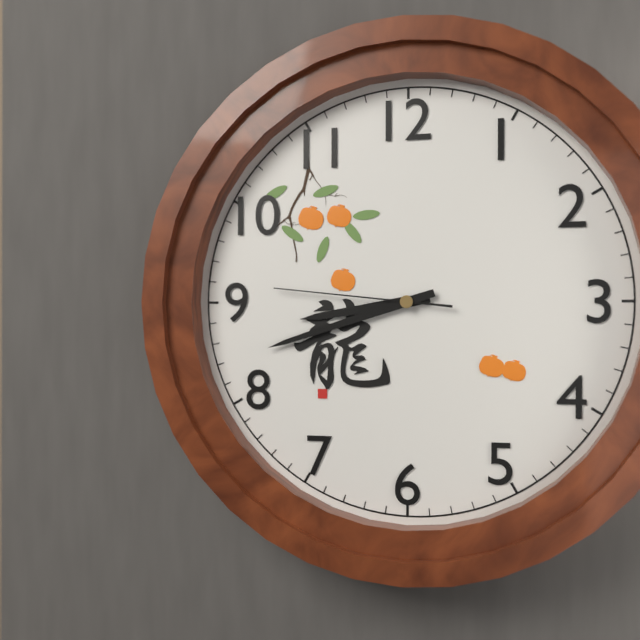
**8:42:46**
